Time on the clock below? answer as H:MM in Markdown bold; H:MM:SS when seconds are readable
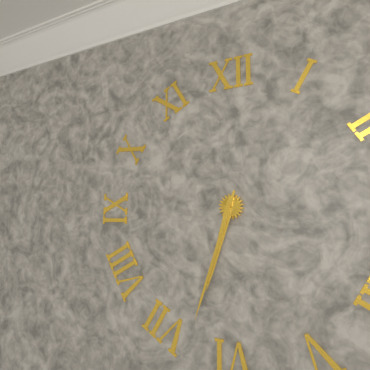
**6:33**
